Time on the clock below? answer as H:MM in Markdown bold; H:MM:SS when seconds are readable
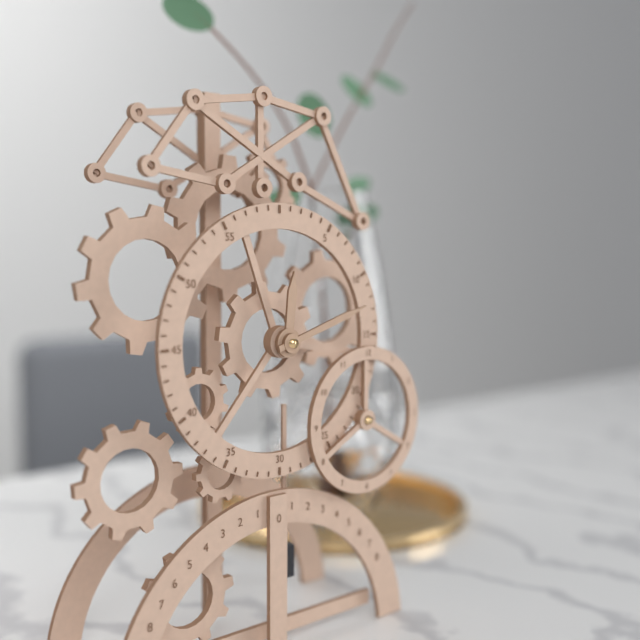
**12:12**
